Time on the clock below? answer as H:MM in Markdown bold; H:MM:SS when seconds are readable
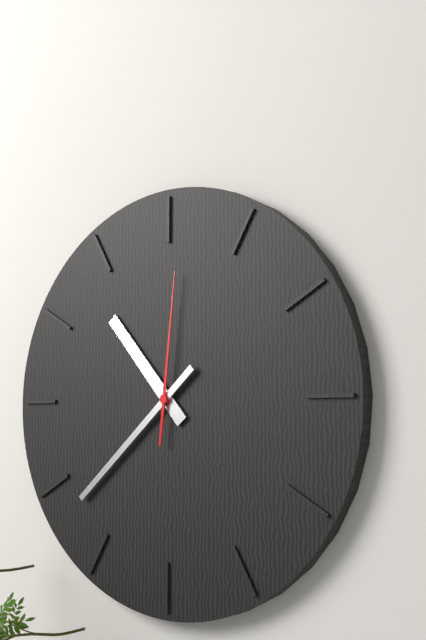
**10:38:01**
